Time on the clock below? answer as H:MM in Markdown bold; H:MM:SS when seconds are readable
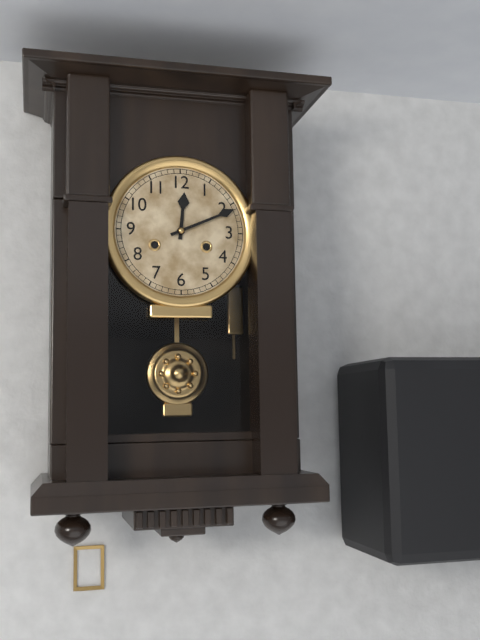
**12:11**
